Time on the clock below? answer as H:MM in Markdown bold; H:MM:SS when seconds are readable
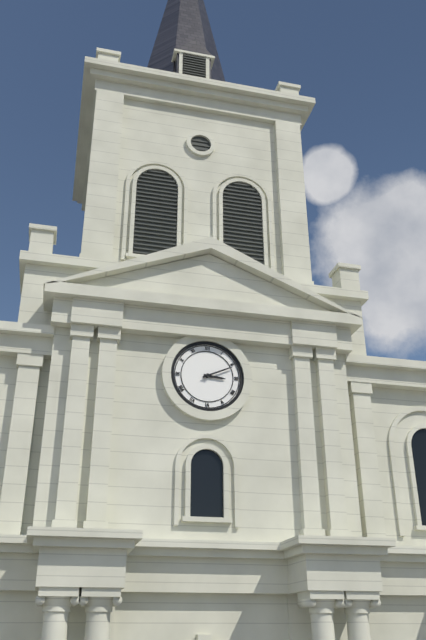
**3:11**
